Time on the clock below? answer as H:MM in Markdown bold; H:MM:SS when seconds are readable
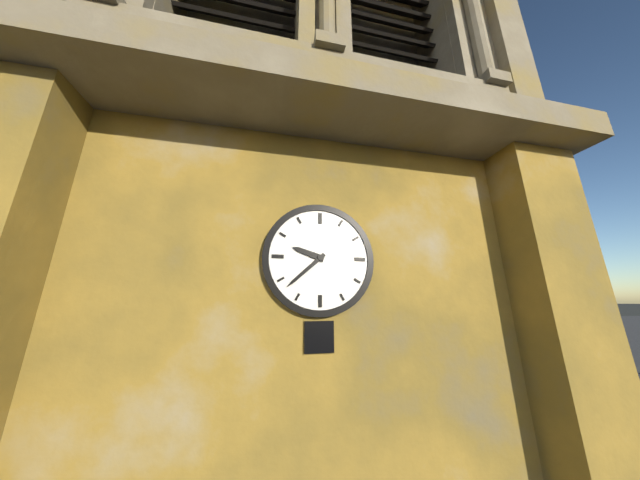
**9:38**
